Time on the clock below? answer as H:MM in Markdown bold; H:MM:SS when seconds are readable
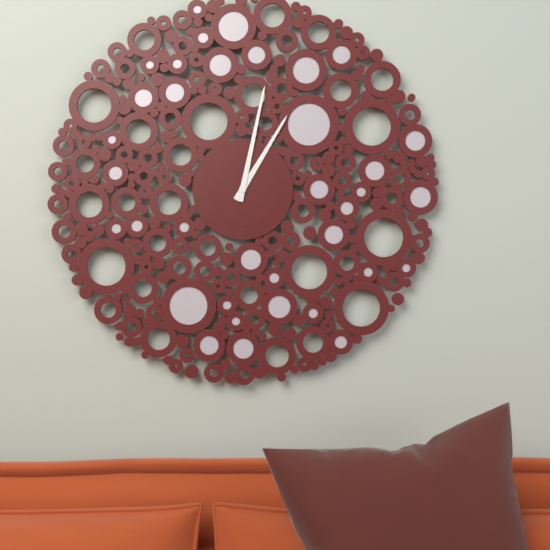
**1:02**
